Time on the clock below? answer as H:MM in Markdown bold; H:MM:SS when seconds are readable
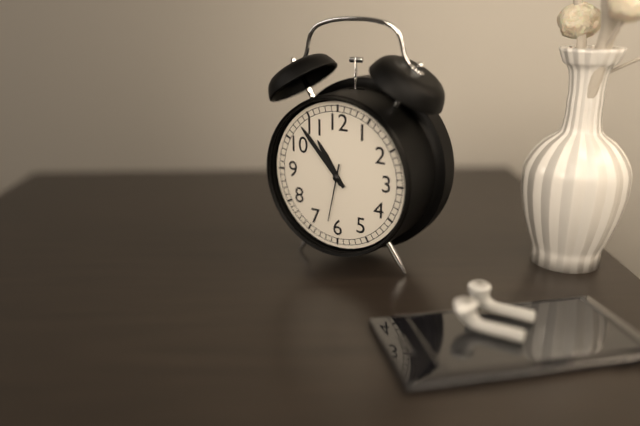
**10:53:32**
